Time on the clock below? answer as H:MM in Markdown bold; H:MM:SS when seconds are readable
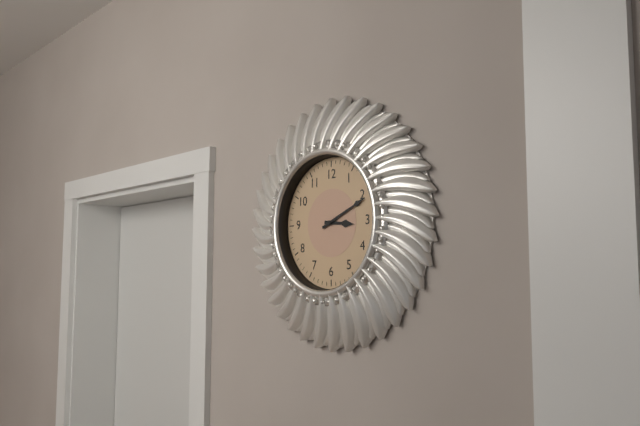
**3:11**
